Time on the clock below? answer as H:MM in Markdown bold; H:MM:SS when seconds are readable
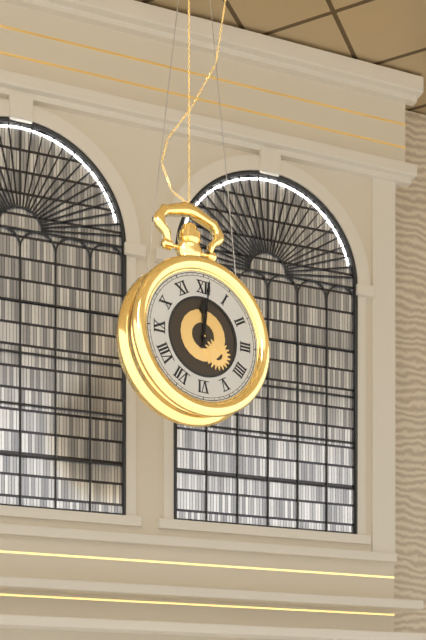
**12:01**
